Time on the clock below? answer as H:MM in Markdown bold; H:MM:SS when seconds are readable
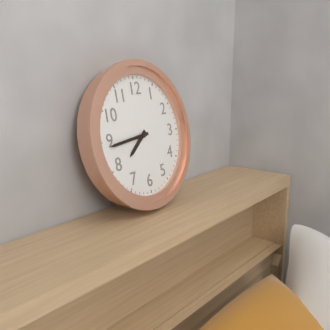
**7:44**
